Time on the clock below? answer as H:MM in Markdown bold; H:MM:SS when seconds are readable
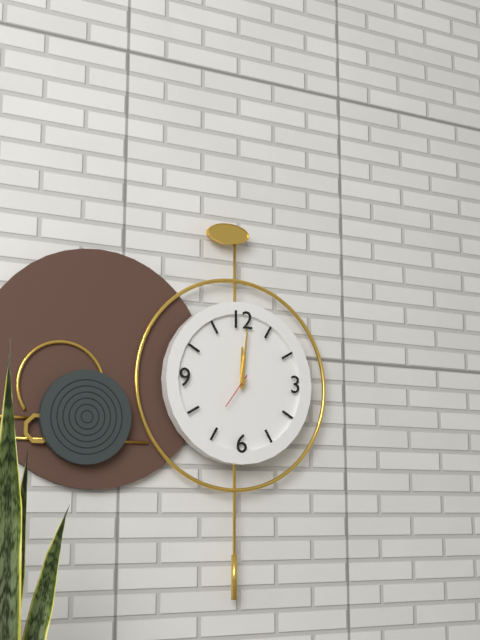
**12:01**
